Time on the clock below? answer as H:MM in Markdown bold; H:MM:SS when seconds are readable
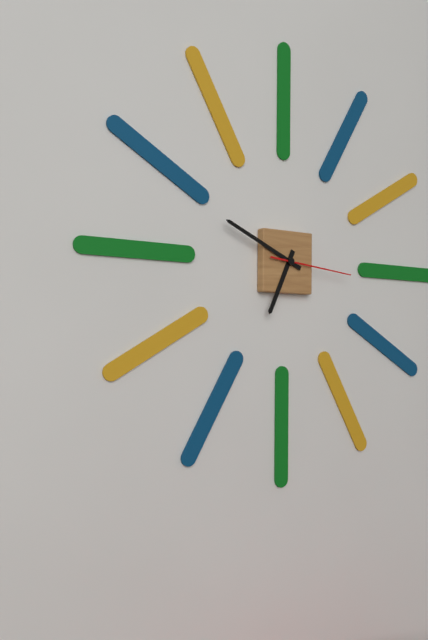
**6:49:16**
